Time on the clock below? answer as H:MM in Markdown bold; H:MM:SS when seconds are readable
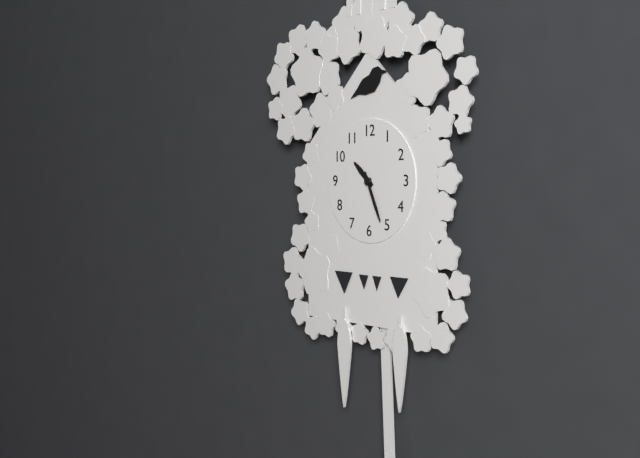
**10:26**
